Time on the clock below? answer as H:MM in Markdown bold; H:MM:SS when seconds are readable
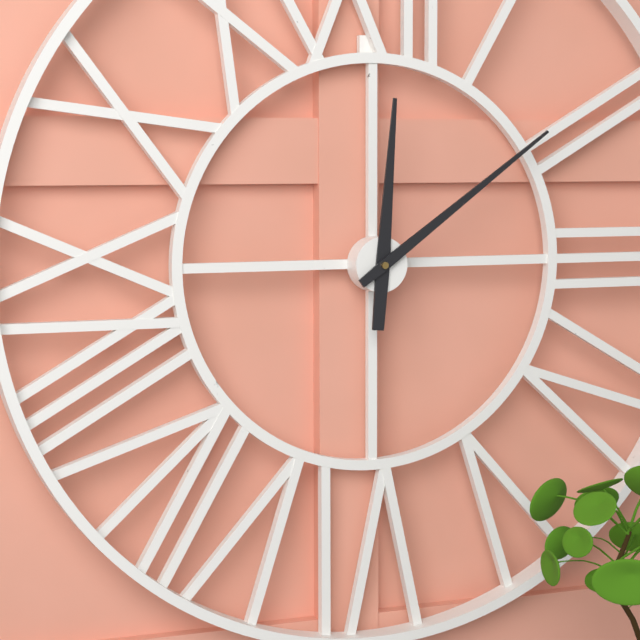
**12:09**
